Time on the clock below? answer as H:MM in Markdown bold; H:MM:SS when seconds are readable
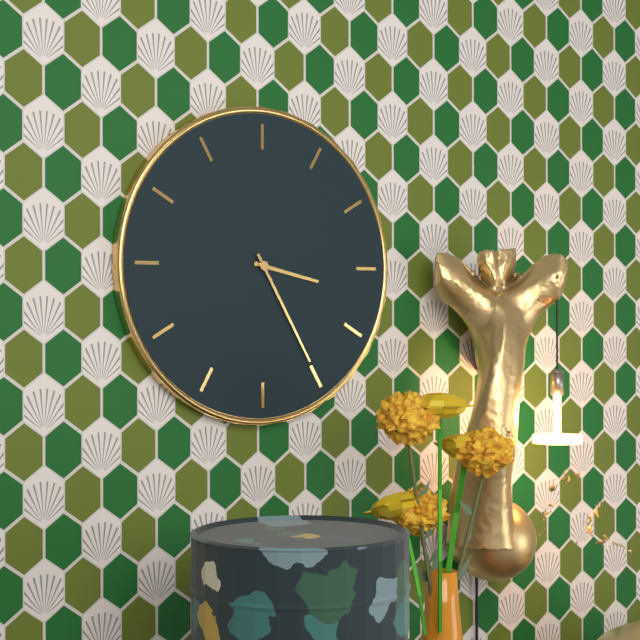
**3:25**
